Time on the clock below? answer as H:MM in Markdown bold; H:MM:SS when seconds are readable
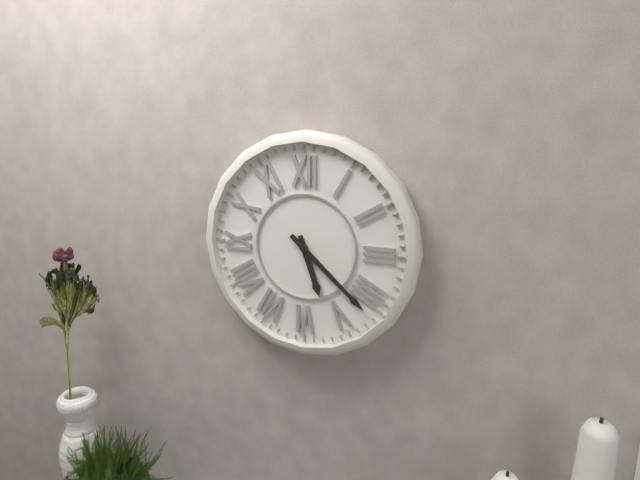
**5:22**
